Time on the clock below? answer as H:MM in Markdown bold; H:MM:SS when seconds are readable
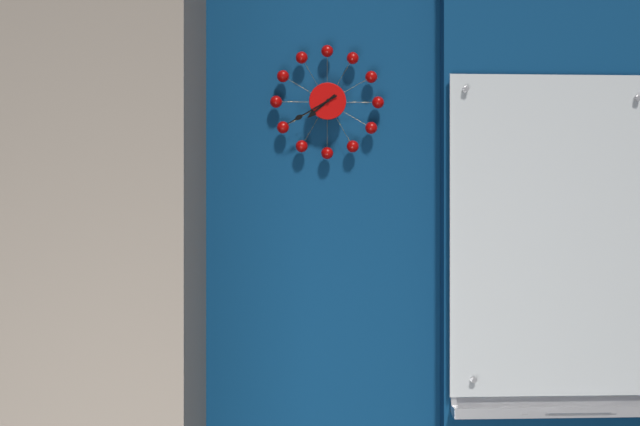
**7:40**
